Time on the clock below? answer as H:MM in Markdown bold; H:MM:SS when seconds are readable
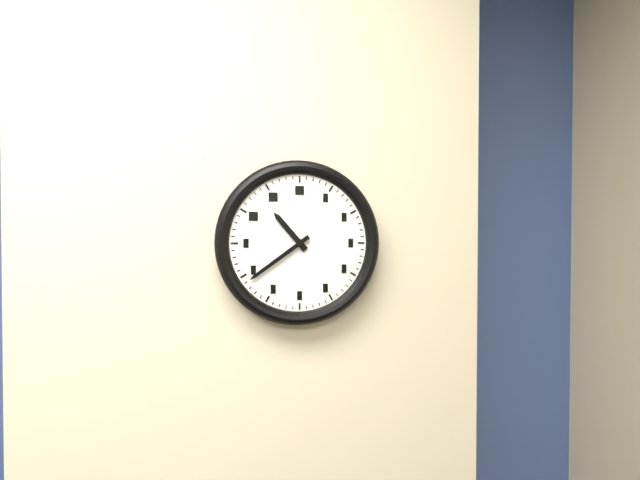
**10:39**
